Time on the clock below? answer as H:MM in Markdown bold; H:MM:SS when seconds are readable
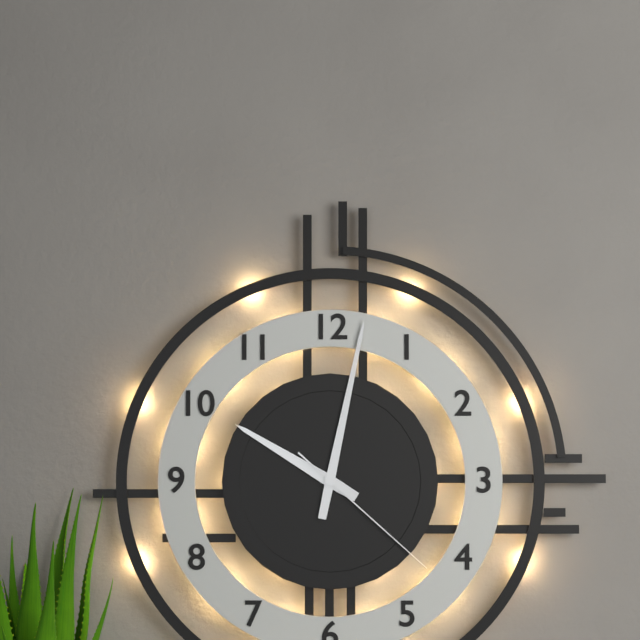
**10:02:22**
